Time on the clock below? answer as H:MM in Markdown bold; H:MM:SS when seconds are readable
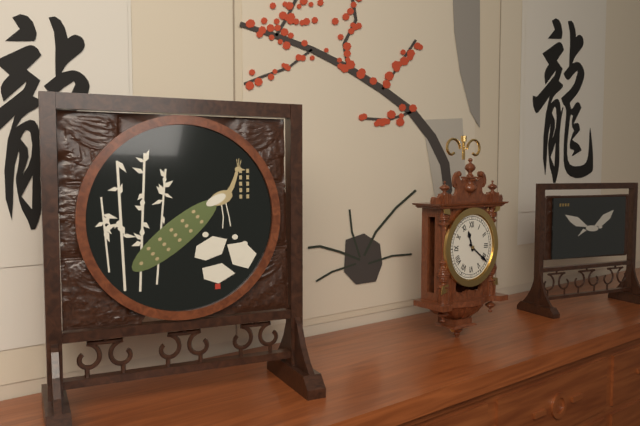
**11:21**
